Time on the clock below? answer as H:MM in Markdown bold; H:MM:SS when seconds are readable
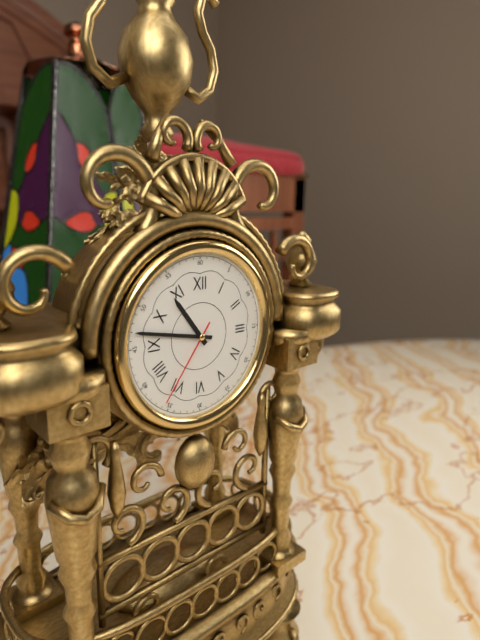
**10:47:36**
